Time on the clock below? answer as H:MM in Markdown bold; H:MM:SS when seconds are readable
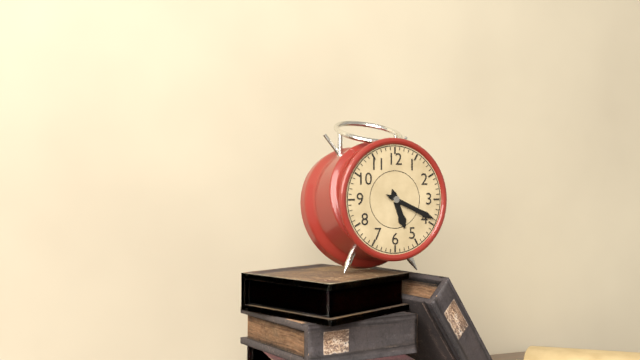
**5:19**
